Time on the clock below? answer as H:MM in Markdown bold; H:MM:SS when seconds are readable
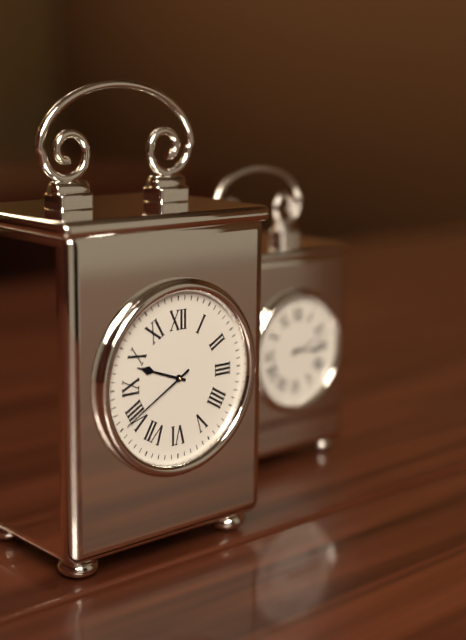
**9:40**
